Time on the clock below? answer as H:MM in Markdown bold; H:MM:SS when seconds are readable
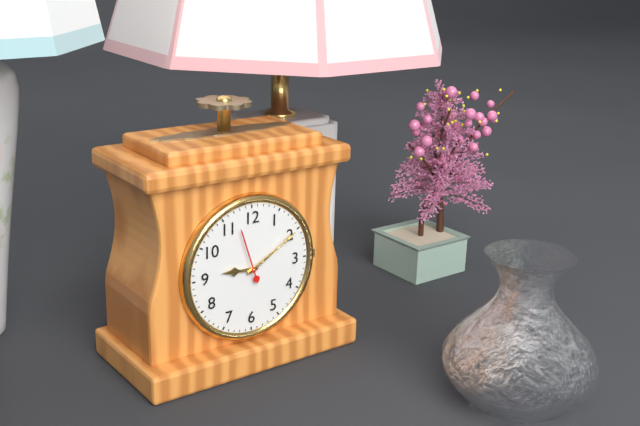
**9:10:57**
